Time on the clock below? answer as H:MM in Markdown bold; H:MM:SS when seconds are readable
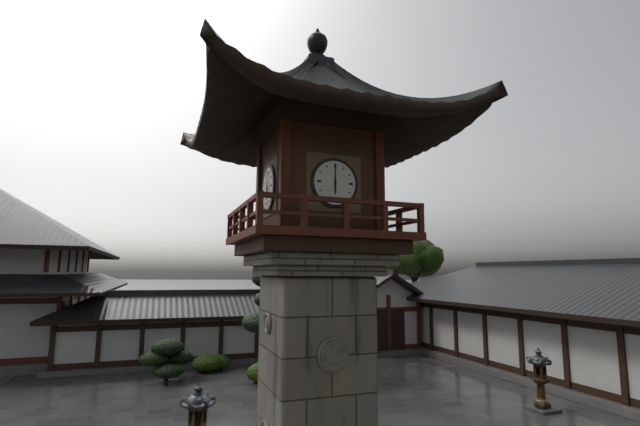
**6:00**
